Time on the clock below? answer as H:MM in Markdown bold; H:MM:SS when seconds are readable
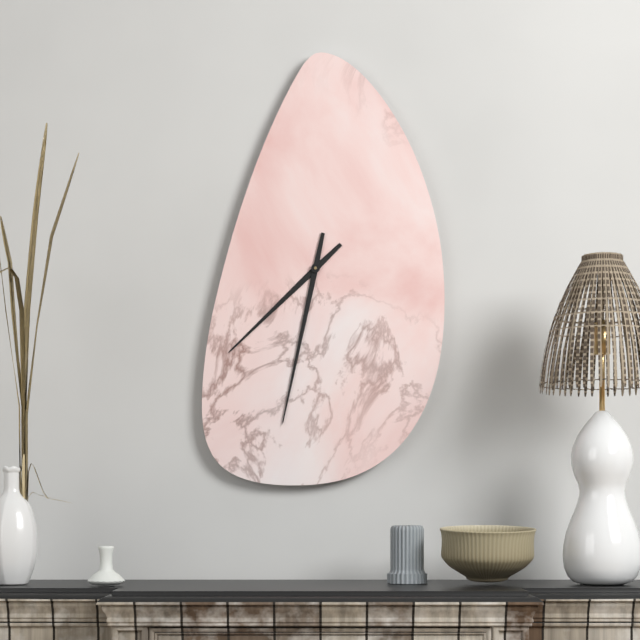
**7:32**
